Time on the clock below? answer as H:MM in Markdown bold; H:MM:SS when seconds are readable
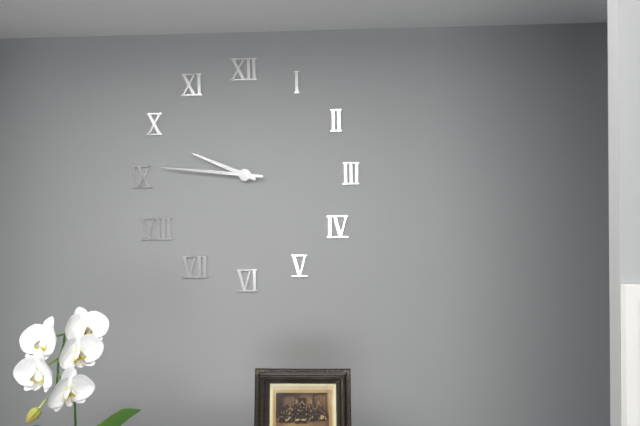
**9:46**
